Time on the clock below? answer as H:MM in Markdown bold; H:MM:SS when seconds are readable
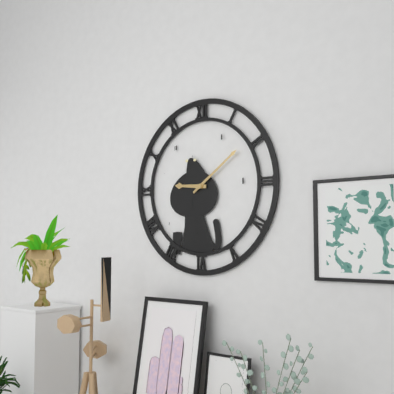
**9:09**
